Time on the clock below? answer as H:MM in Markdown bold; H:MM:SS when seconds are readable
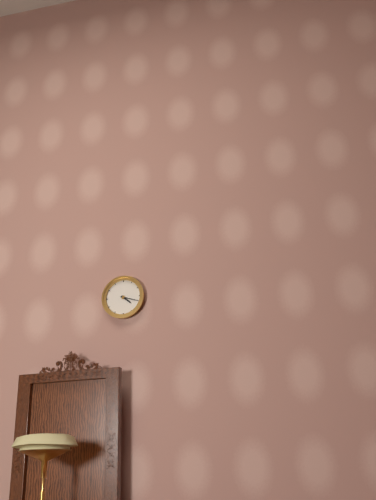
**4:18**
